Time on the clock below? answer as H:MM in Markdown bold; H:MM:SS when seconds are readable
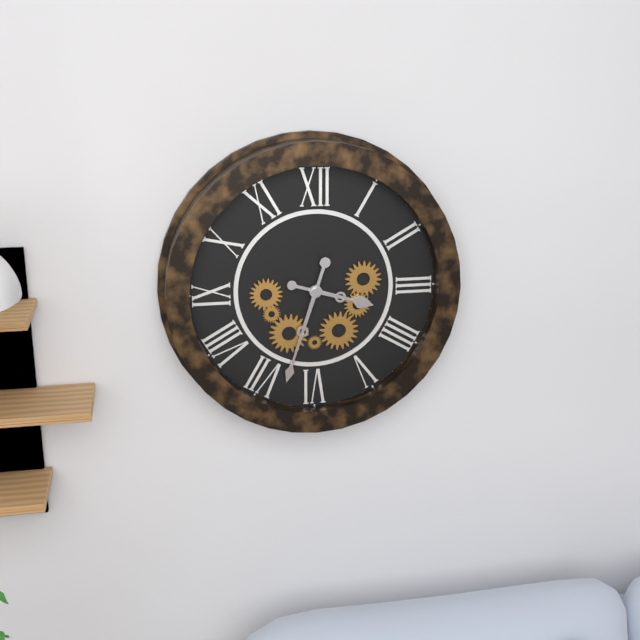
**3:33**
